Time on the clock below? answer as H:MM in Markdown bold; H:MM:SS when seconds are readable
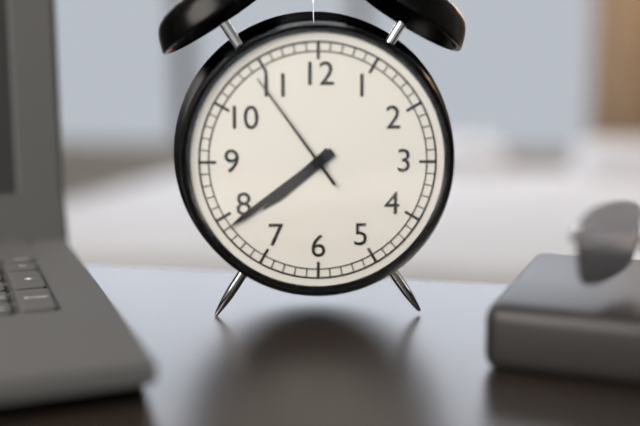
**7:39:54**
